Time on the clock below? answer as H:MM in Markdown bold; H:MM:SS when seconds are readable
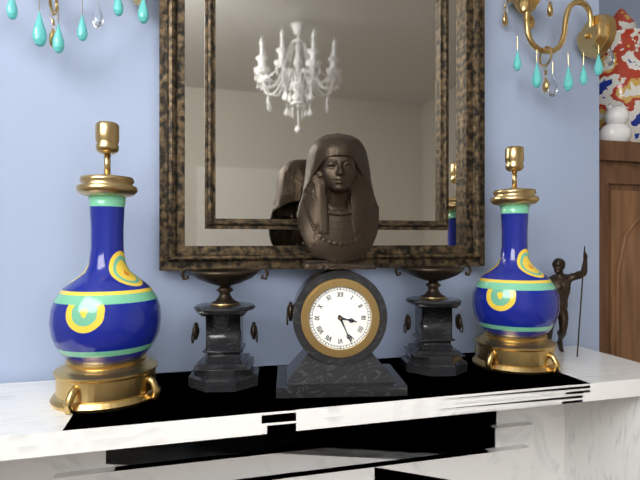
**3:26**
